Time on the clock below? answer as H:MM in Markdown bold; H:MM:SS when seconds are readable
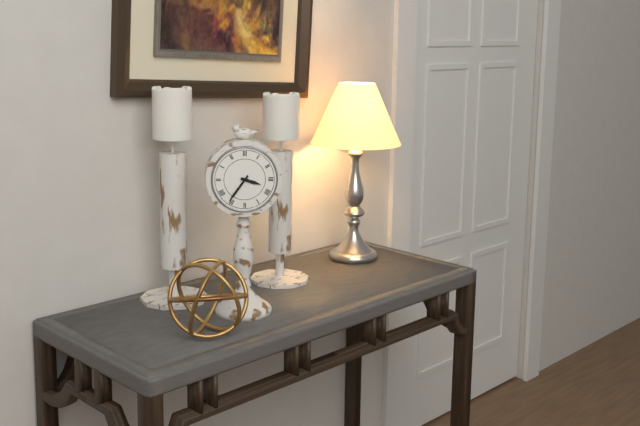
**3:36**
